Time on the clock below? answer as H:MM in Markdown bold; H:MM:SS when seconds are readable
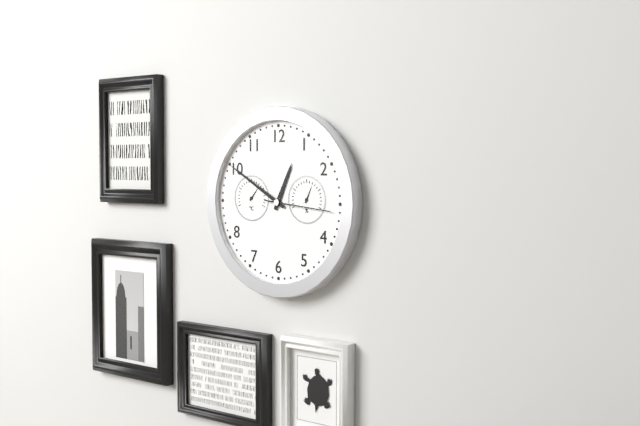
**12:50:16**
